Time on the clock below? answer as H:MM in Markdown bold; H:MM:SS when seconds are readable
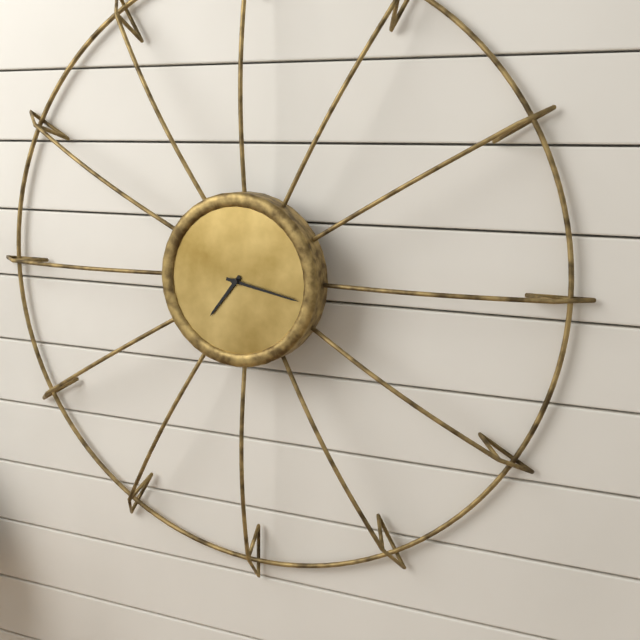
**7:17**
